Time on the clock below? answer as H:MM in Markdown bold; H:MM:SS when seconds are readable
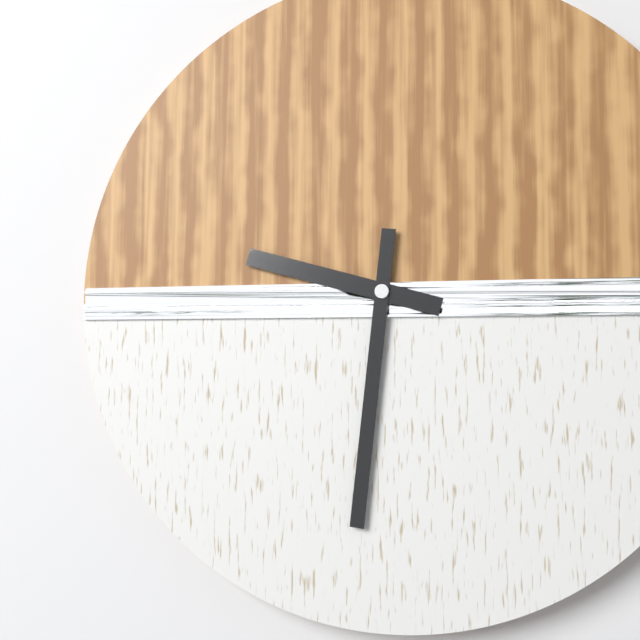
**9:31**
